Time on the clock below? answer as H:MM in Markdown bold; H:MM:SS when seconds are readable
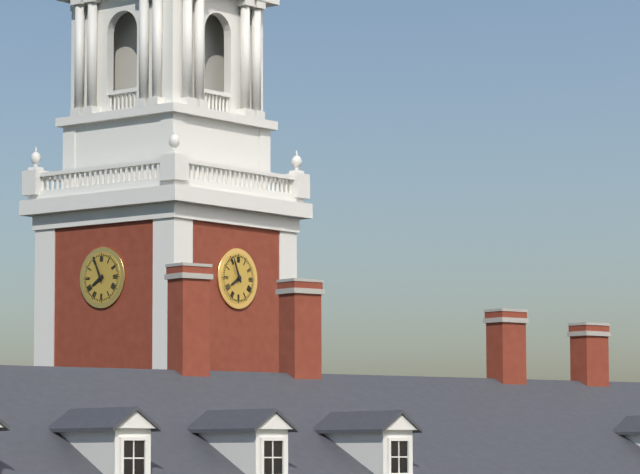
**7:56**
